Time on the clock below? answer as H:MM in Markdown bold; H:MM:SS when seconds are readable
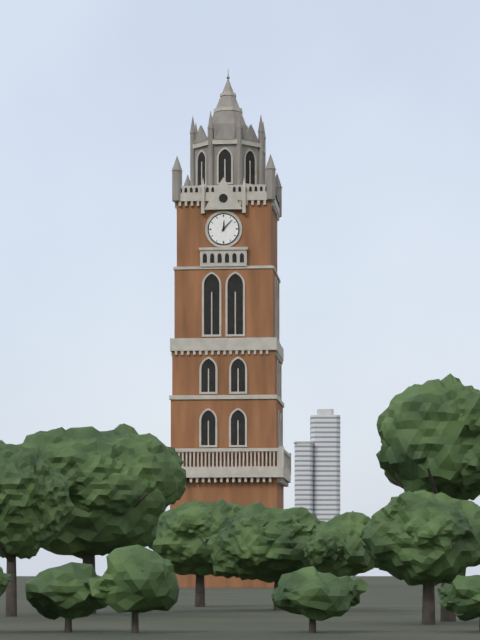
**12:07**
